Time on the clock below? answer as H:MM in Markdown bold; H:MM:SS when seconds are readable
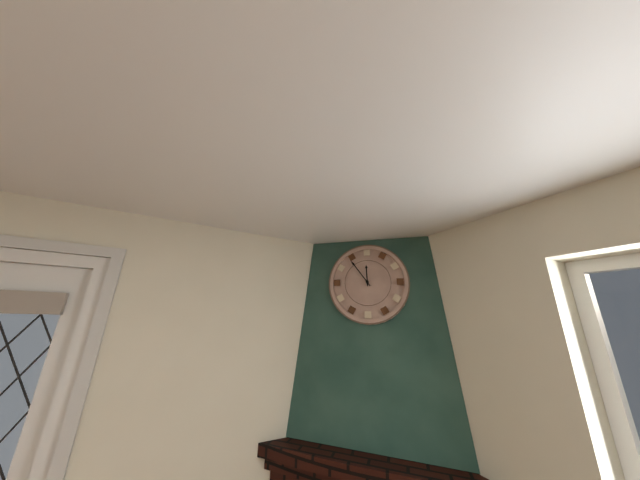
**11:54**
